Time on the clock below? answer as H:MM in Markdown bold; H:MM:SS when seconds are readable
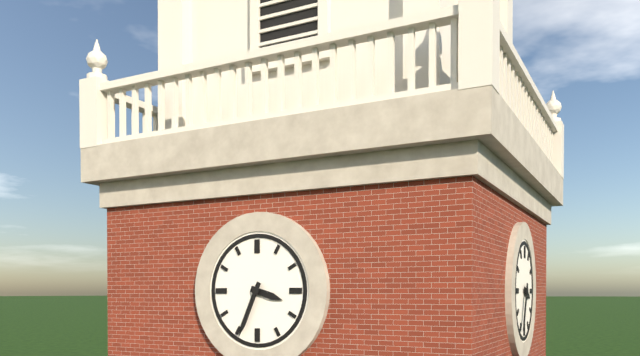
**3:34**
